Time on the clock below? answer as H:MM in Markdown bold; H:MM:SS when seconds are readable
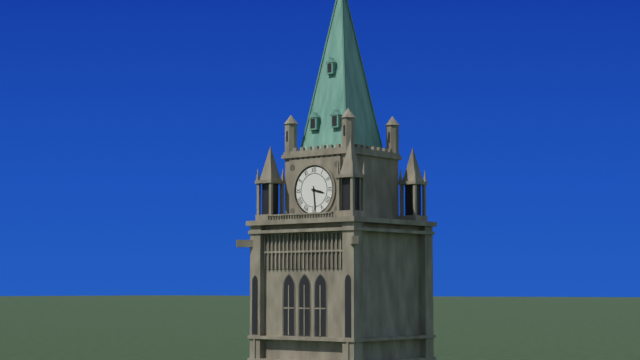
**3:29**
